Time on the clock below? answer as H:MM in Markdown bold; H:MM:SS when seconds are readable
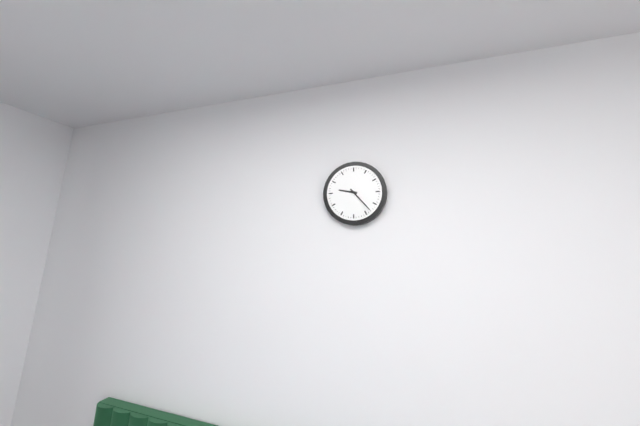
**9:23**
